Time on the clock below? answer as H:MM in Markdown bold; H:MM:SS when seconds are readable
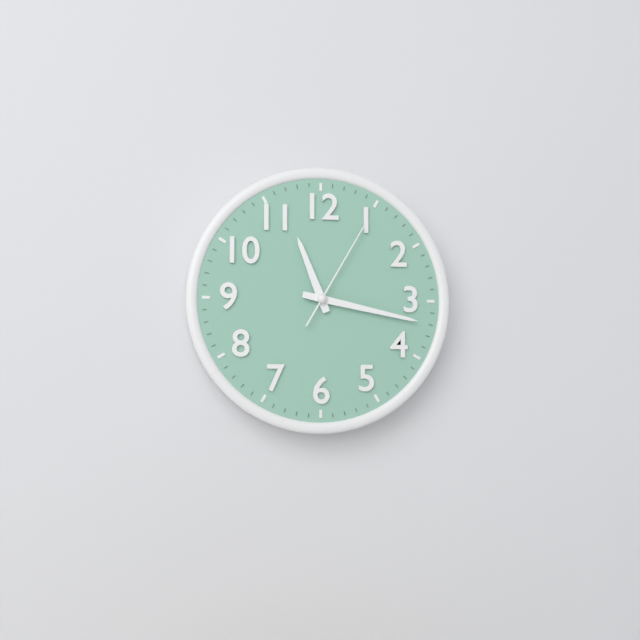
**11:17:05**
